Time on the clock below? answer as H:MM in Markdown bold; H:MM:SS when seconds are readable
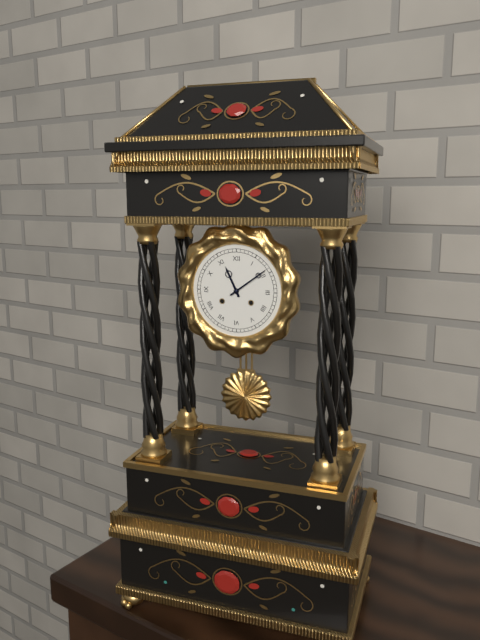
**11:09**
